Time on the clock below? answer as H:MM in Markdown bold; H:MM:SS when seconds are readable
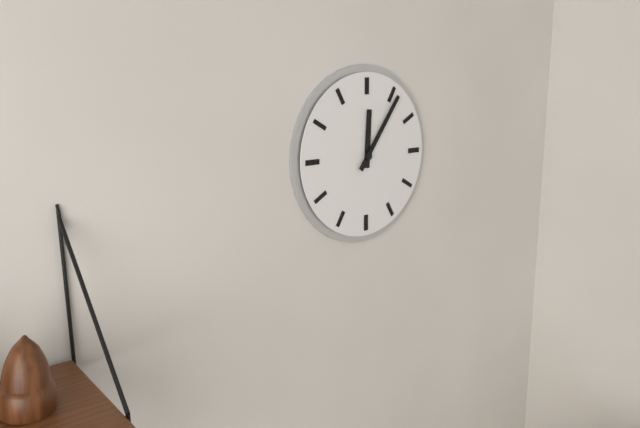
**12:06**
